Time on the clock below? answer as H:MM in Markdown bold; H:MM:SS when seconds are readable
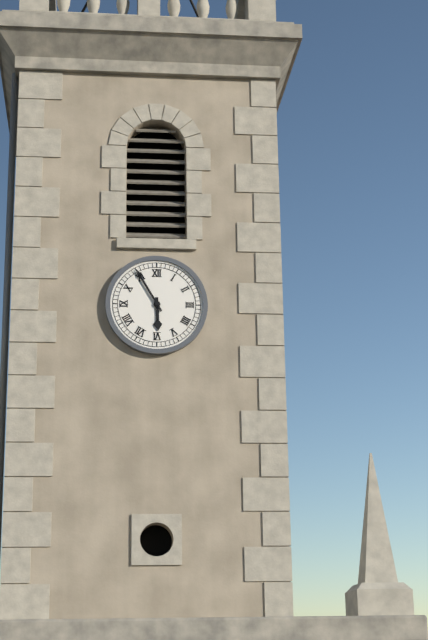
**5:55**
